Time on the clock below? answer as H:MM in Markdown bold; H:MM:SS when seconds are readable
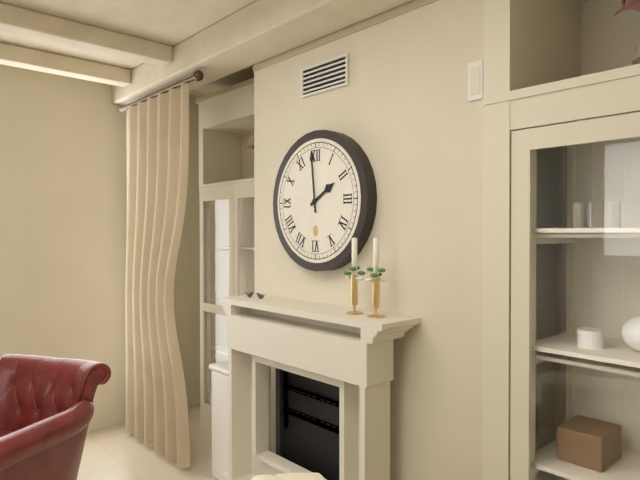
**1:59**
